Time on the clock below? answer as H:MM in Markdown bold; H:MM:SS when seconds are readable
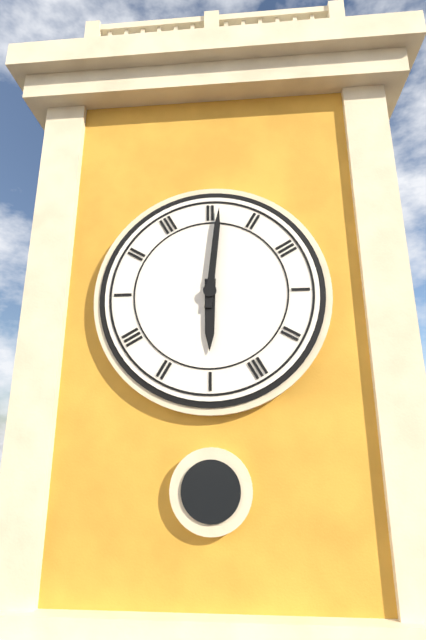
**6:01**
